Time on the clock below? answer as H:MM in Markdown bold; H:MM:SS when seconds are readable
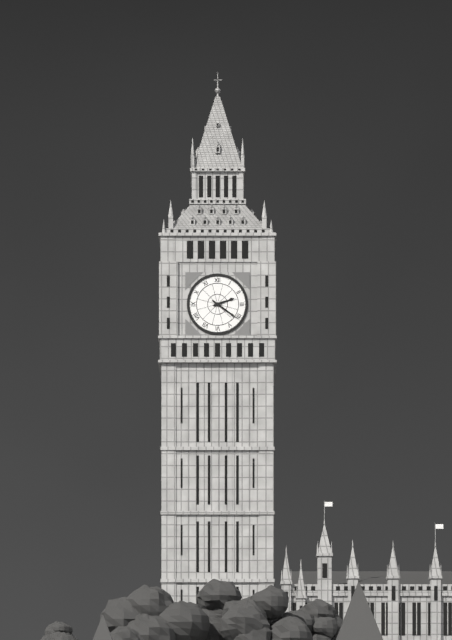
**2:21**
